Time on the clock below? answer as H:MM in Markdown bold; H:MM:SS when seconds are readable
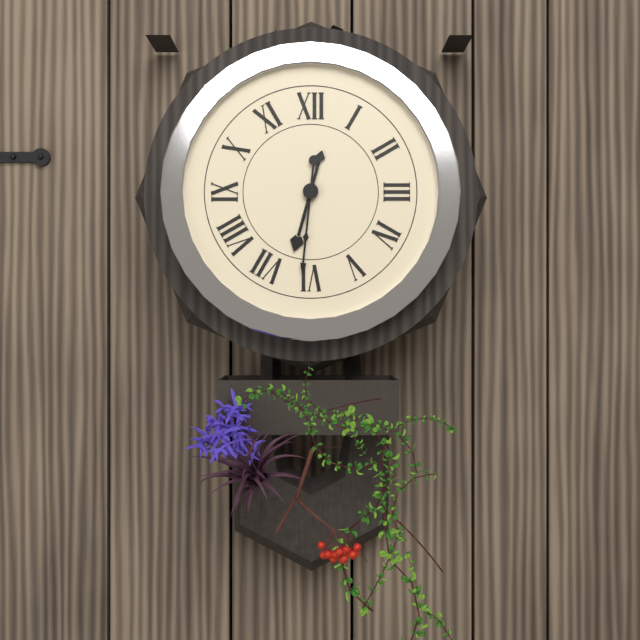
**6:31**
